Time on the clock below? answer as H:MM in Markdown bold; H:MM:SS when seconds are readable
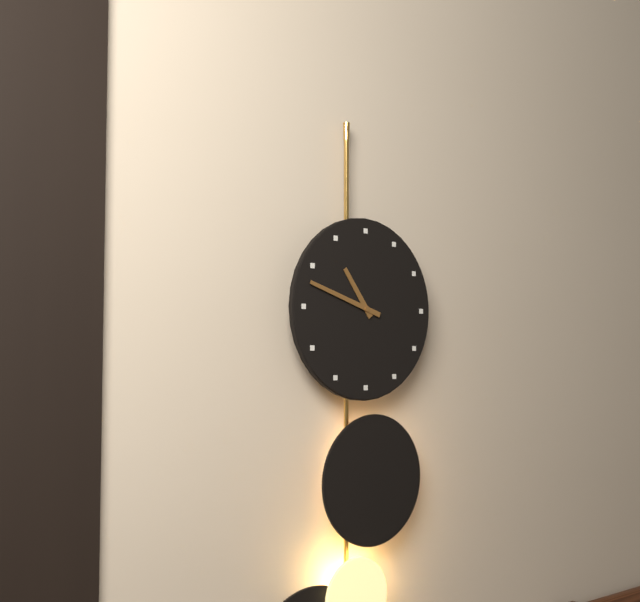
**10:48**
